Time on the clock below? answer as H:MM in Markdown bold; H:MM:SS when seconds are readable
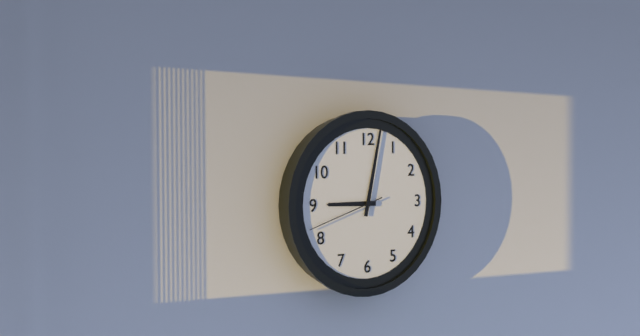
**9:02:42**
